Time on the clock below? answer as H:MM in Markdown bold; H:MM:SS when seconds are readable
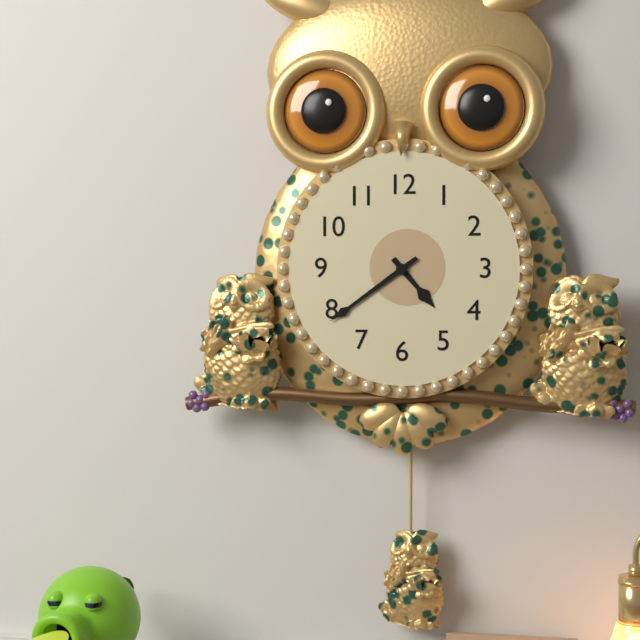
**4:39**
